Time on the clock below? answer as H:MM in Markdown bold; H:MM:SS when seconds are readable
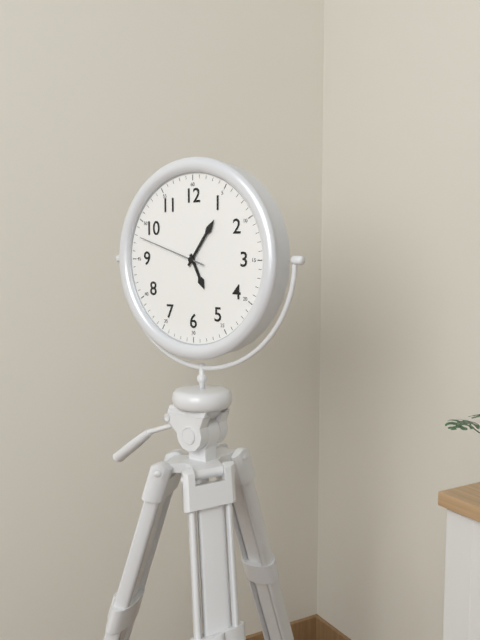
**5:06:48**
